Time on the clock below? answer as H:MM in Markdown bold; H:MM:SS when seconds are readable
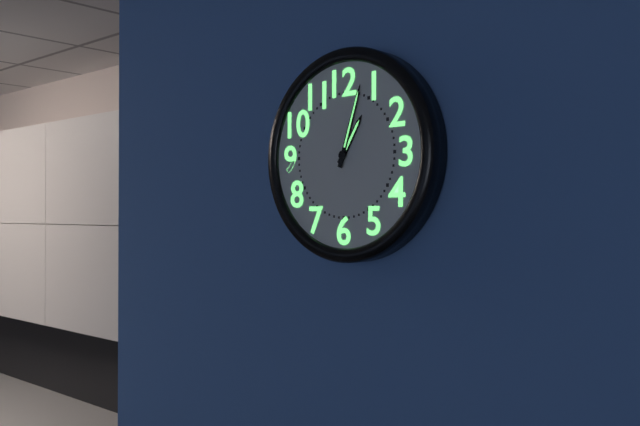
**1:03**
